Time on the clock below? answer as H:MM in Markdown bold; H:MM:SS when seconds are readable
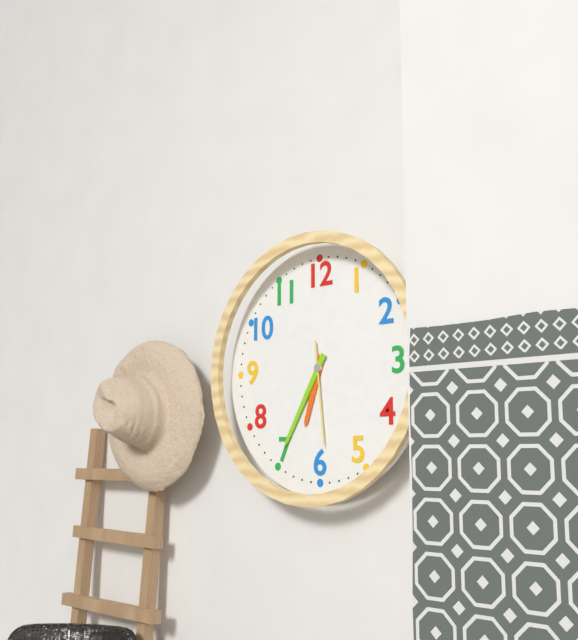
**6:35:29**
